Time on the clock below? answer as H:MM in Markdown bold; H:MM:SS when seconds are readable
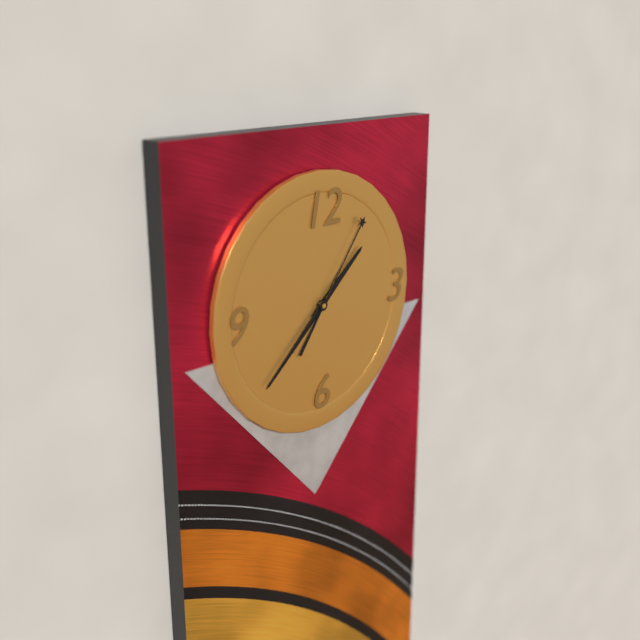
**1:38:06**
